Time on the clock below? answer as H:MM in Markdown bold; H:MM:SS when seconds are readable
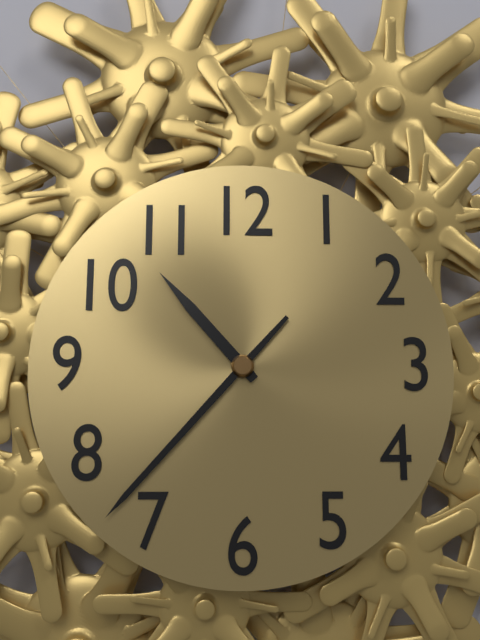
**10:37**
